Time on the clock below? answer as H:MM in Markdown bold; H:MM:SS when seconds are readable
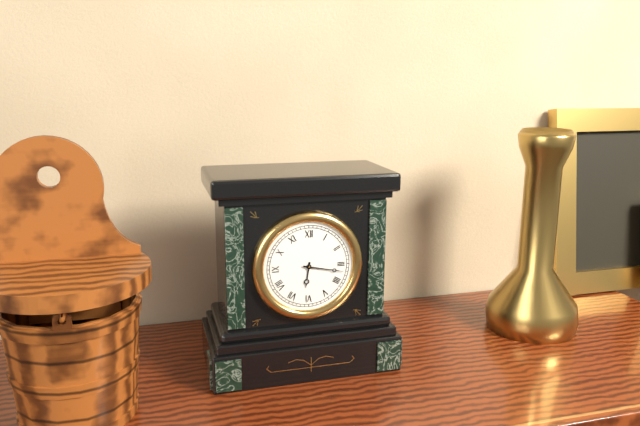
**6:17**
